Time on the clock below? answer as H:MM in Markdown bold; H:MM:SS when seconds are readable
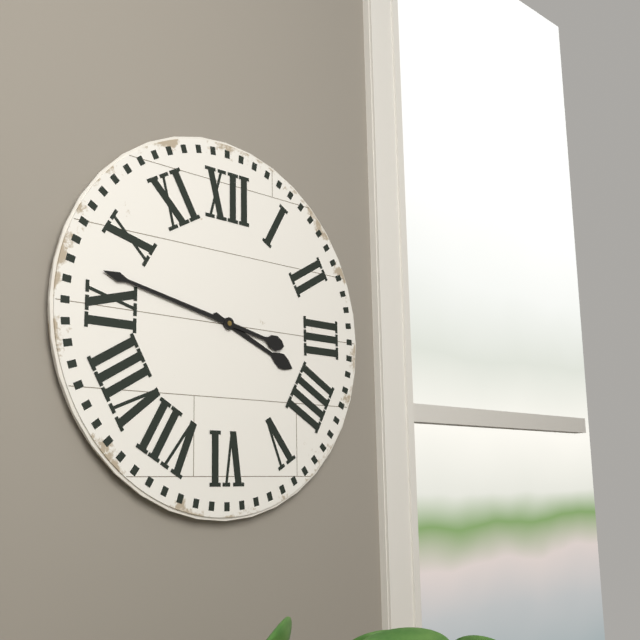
**3:47**
